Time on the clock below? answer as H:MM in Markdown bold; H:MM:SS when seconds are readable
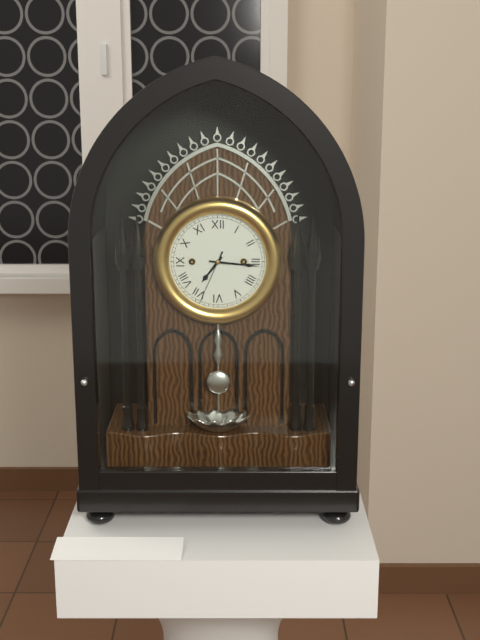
**7:16:34**
